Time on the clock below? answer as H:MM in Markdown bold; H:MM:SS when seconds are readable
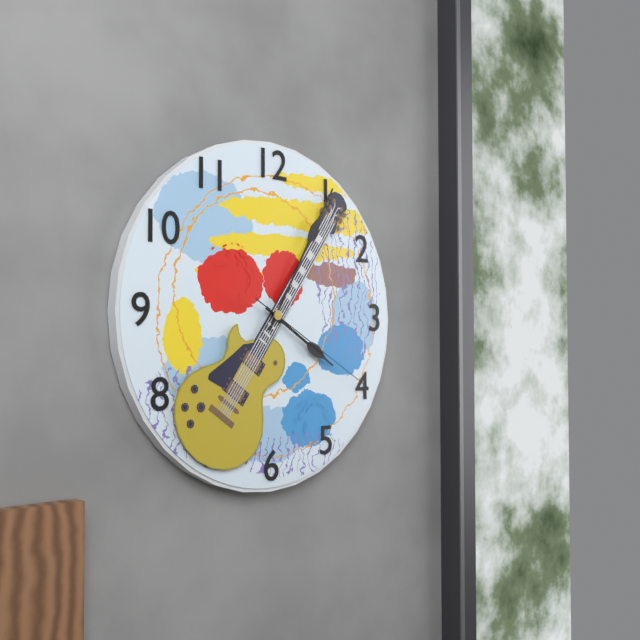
**4:05:20**
